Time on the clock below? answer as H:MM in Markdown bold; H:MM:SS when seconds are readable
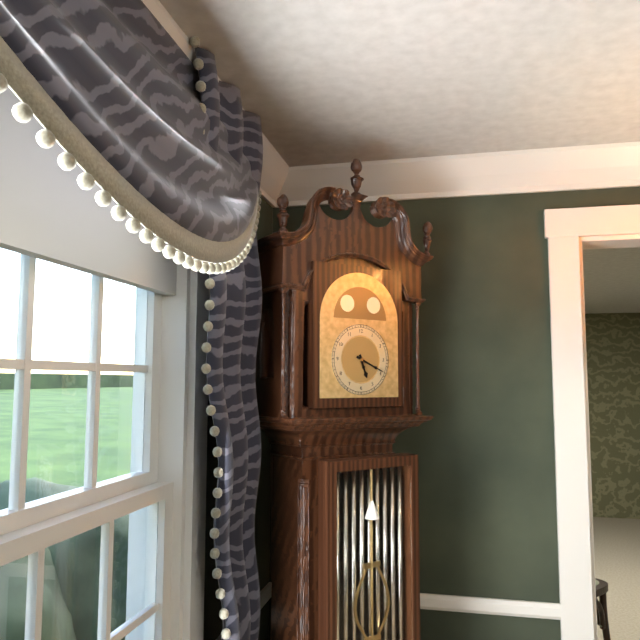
**5:19**
